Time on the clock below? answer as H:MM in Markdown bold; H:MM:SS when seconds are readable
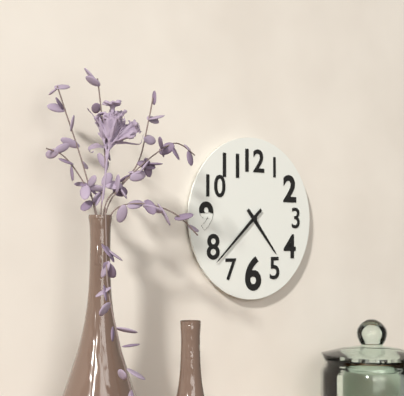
**4:38**
